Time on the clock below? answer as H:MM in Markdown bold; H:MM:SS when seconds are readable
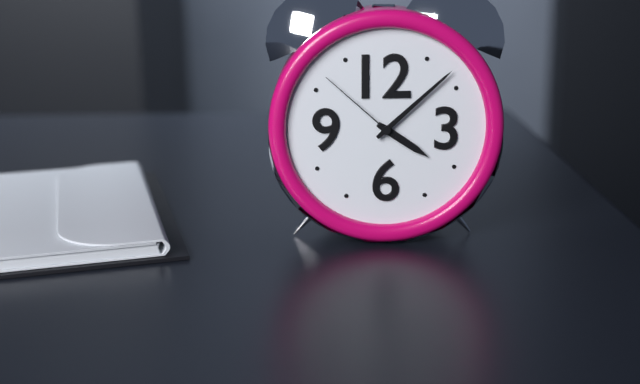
**4:08:52**
